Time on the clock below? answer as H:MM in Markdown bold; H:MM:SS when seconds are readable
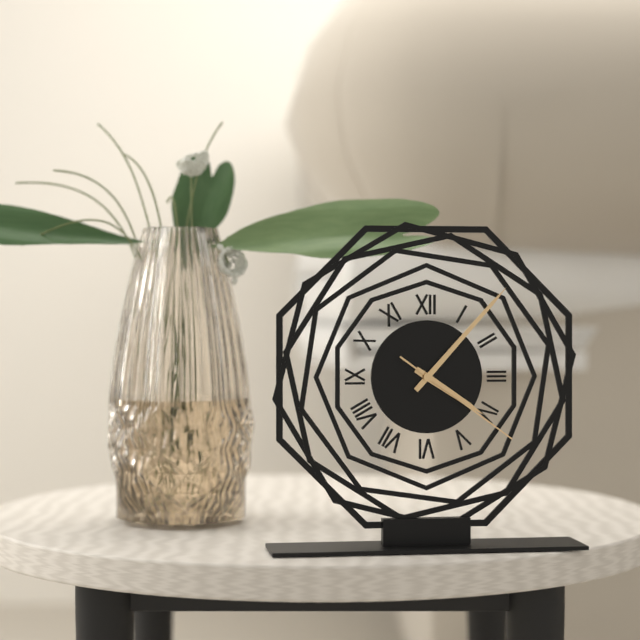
**4:07:21**
